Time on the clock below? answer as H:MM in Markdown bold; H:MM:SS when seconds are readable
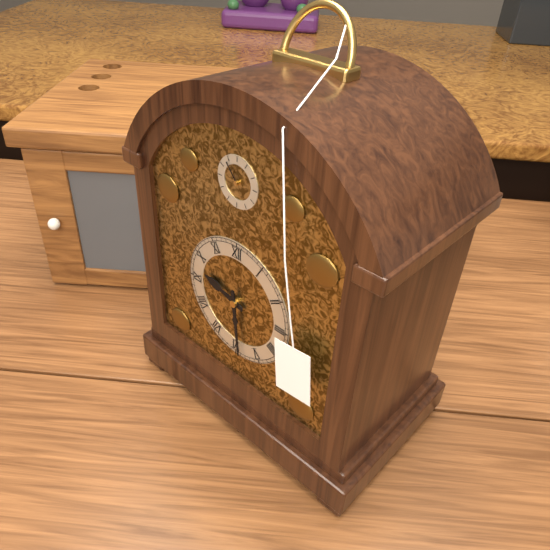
**9:29**
